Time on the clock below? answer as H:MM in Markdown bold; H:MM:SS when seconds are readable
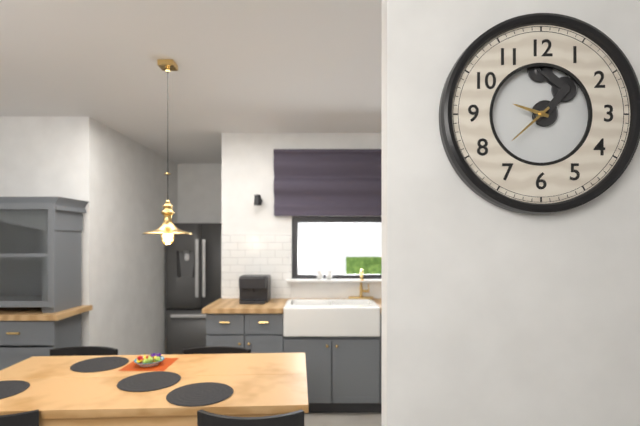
**9:38**
